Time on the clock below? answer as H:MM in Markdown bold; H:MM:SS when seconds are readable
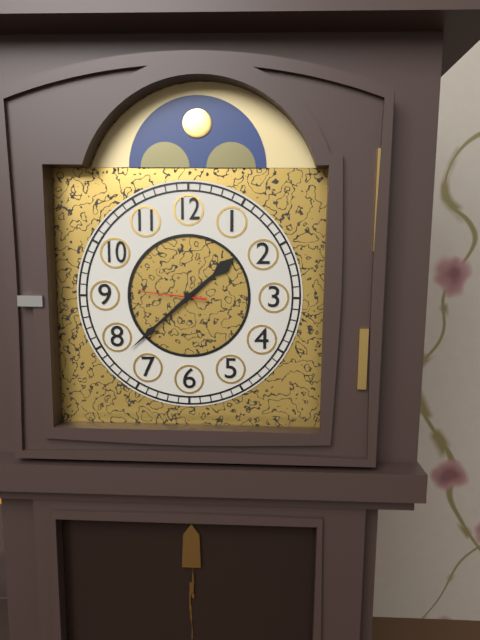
**1:38:46**
